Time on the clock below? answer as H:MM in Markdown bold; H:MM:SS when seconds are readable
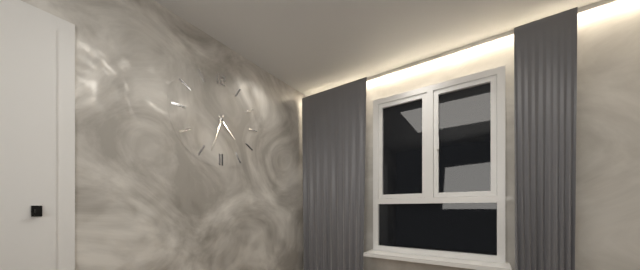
**4:33**
